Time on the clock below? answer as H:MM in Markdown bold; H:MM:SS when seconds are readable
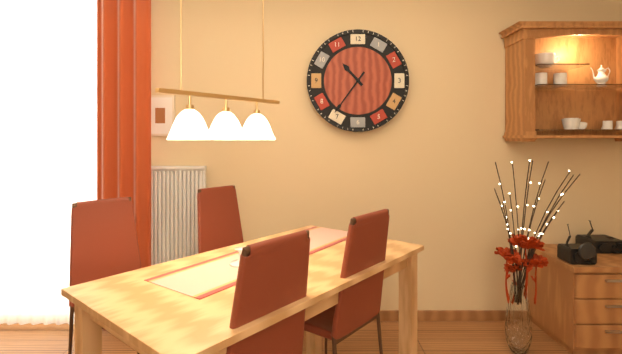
**10:36**
